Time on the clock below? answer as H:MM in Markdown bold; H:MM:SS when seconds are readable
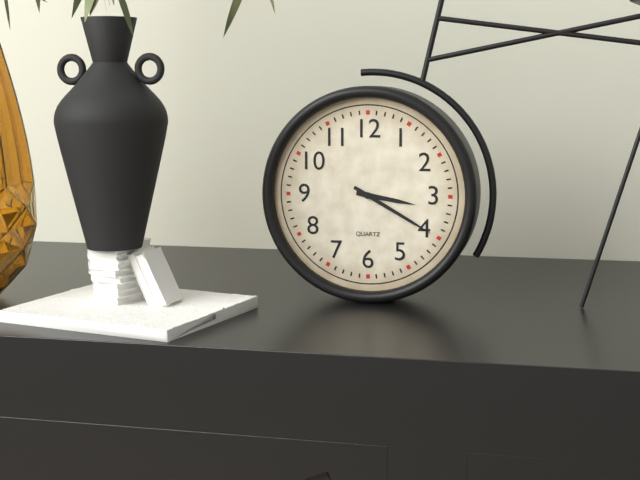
**3:20**
